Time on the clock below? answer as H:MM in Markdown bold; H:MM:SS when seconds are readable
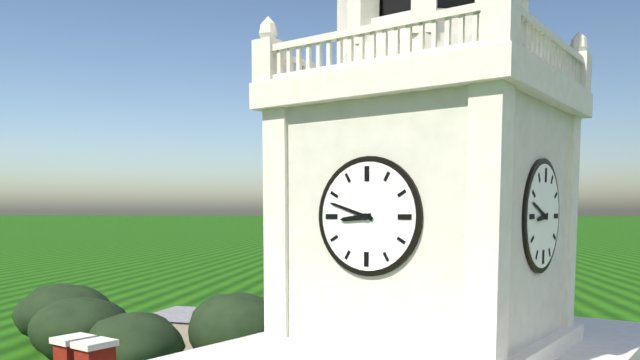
**8:48**
